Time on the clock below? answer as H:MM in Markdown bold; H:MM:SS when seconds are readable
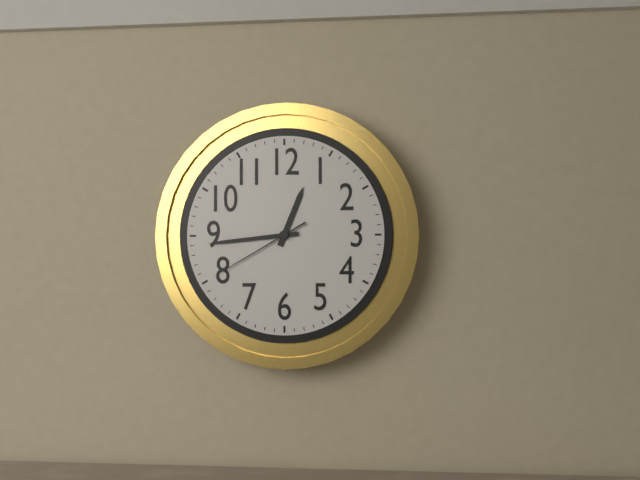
**12:44:40**
